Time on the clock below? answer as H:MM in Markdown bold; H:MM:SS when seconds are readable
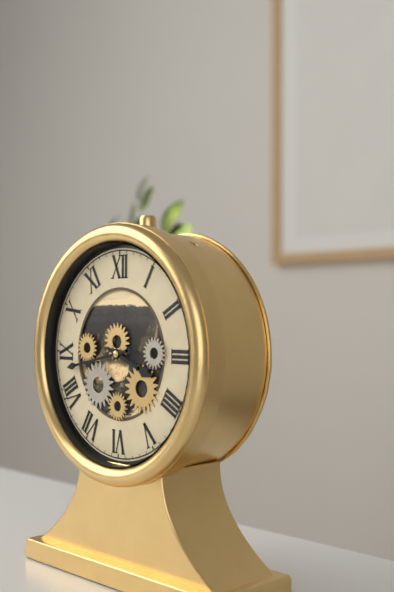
**3:43**
